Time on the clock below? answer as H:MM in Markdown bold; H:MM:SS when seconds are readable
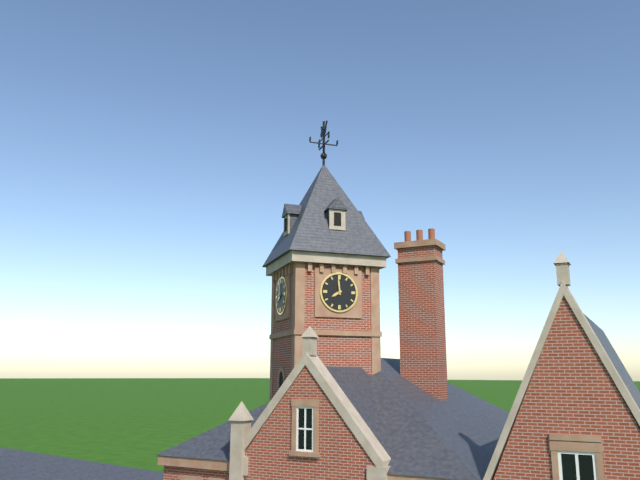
**7:59**
